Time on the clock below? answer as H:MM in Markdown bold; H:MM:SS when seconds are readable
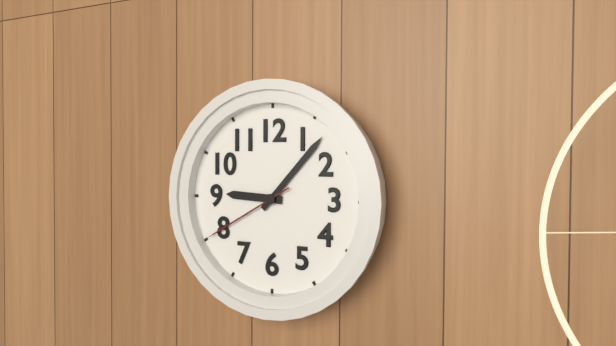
**9:07:40**
